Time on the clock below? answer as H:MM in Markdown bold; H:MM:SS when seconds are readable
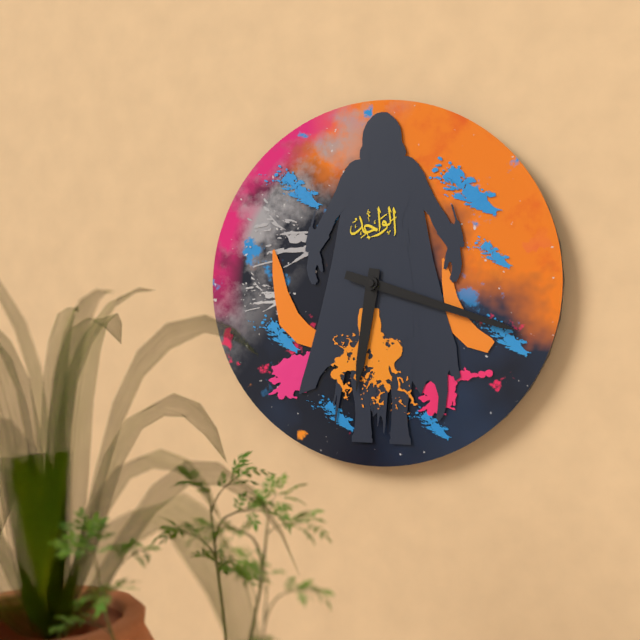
**6:18**
